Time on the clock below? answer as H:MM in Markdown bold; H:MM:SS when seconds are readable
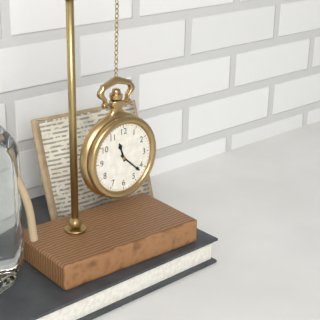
**11:22**
